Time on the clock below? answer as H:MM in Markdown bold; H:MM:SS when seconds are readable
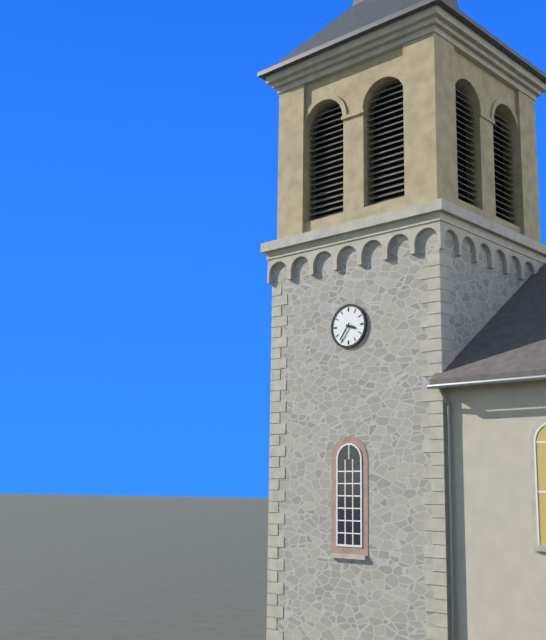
**3:36**
